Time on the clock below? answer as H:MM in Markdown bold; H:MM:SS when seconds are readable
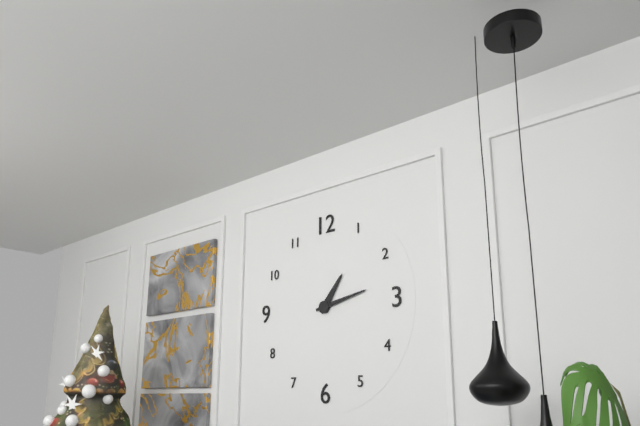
**1:13**
